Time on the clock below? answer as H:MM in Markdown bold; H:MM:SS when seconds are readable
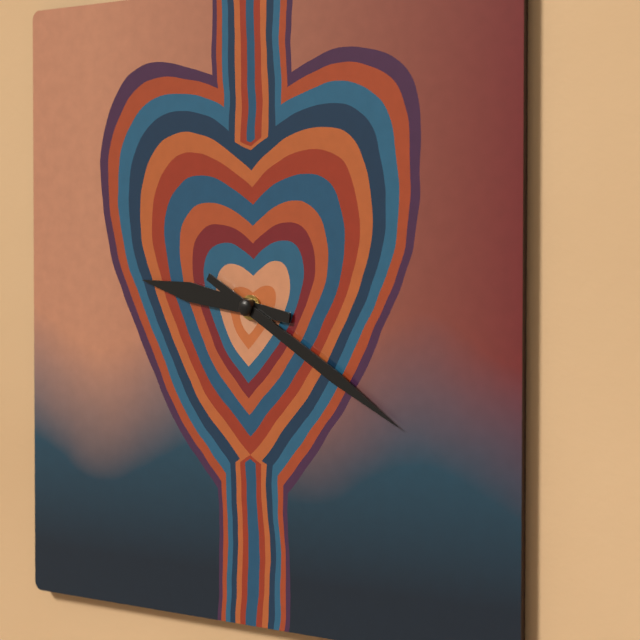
**9:20**
